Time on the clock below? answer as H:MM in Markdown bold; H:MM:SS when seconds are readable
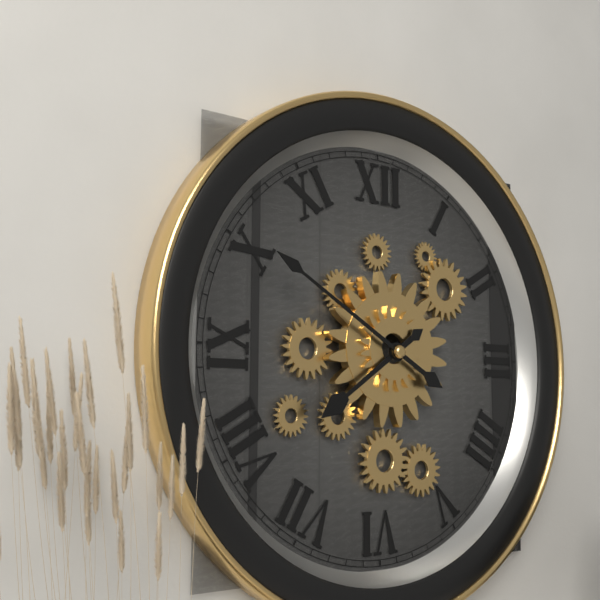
**7:50**
